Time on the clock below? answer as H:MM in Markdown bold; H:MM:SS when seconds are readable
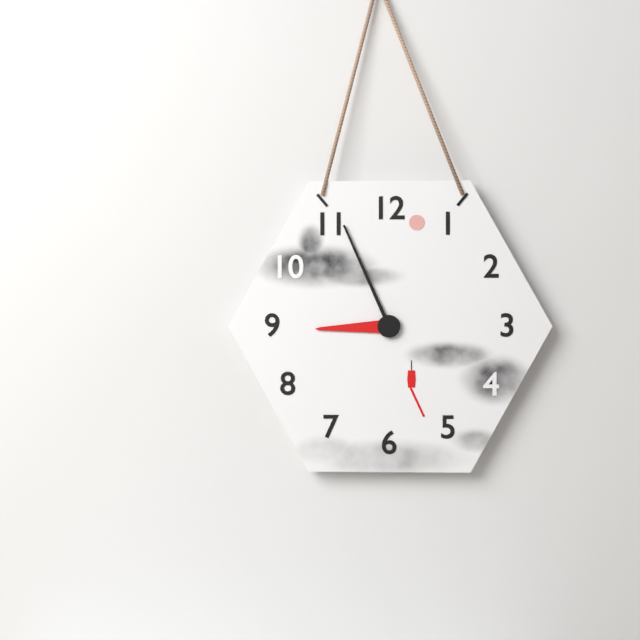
**8:56**
